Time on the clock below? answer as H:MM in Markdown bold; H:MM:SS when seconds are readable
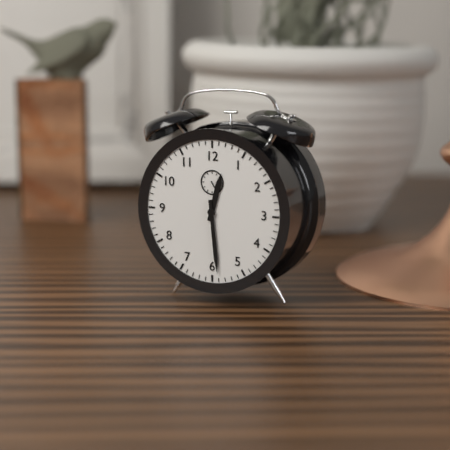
**12:29**
